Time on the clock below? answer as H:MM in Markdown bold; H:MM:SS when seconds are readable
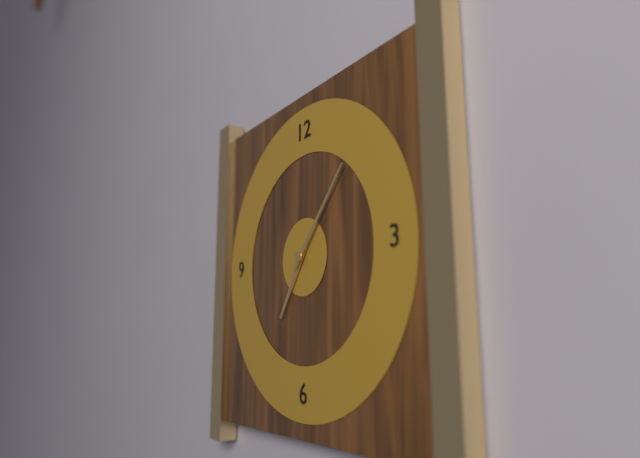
**7:07**
